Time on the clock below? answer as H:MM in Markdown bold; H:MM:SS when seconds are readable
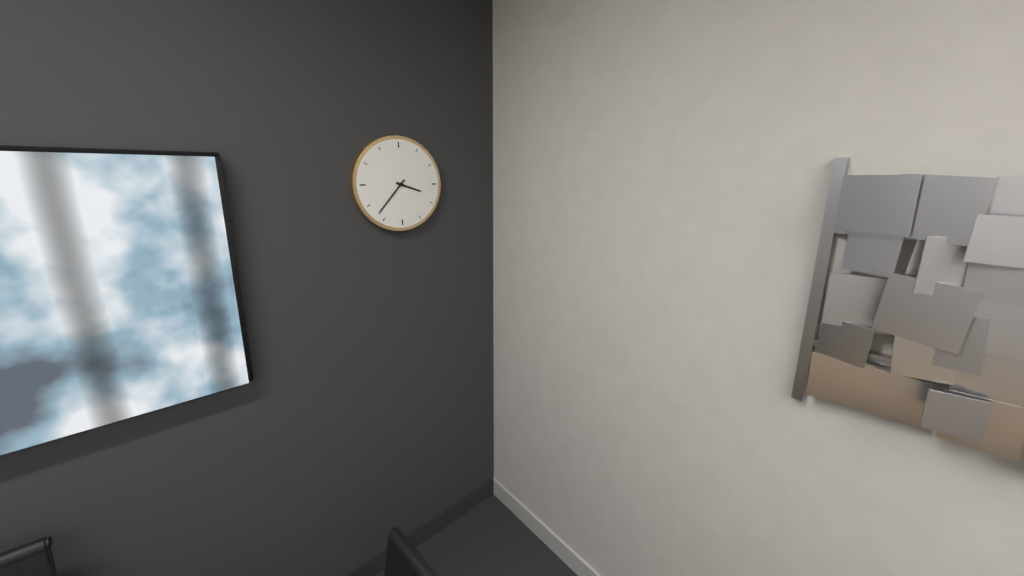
**3:37**
